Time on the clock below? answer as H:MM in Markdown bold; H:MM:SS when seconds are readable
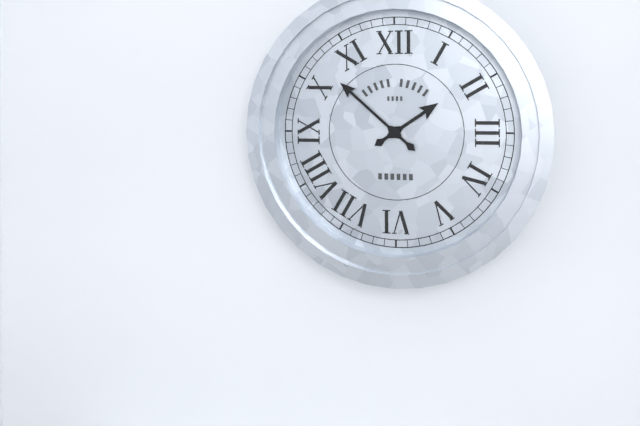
**1:52**
